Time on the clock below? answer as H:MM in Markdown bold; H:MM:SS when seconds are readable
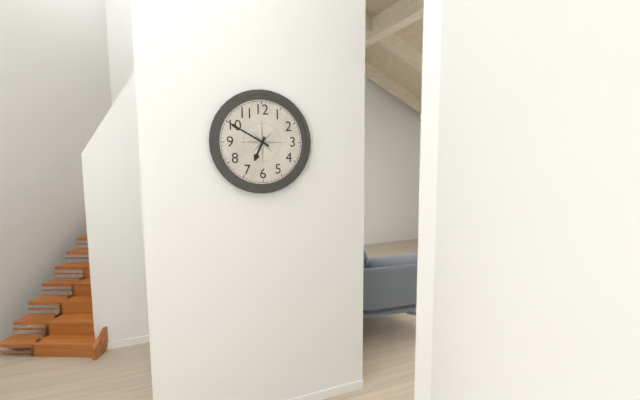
**6:50**
